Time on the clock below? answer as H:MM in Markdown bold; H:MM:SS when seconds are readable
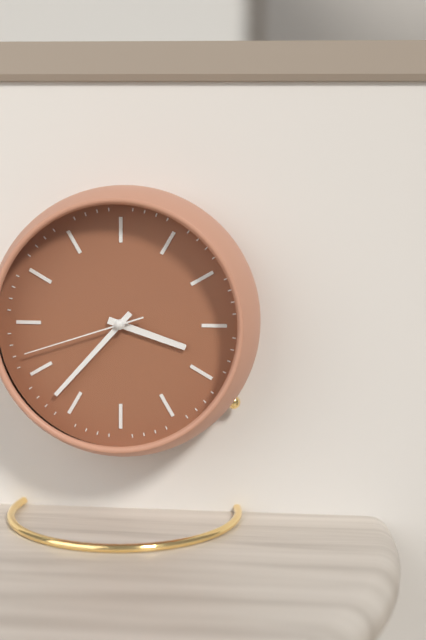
**3:37:42**
